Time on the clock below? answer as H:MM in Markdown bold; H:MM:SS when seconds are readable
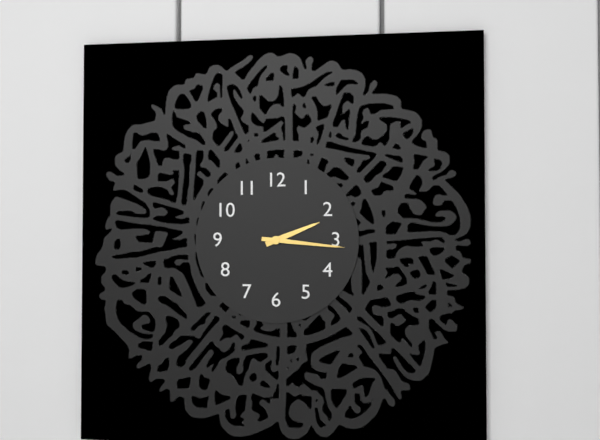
**2:16**
